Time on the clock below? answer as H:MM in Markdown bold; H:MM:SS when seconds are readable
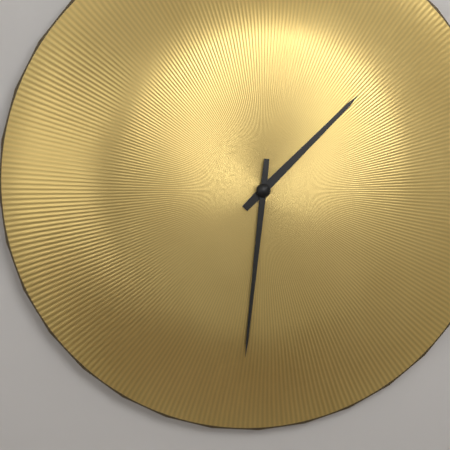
**1:31**
